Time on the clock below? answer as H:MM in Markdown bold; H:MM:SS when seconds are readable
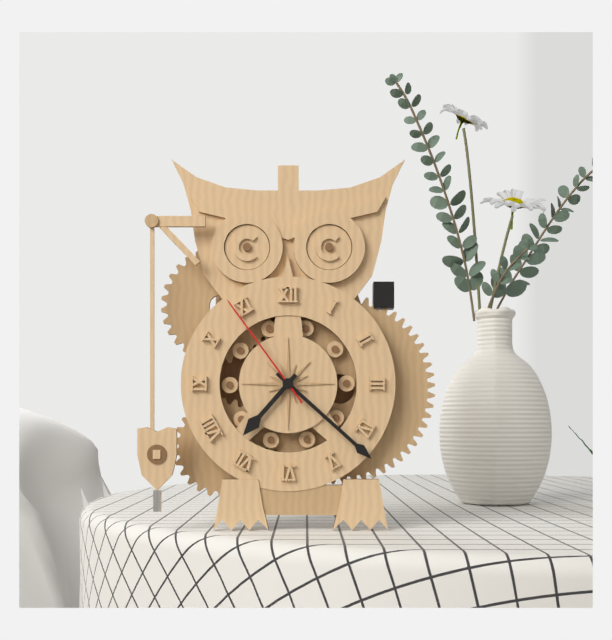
**7:22:54**
